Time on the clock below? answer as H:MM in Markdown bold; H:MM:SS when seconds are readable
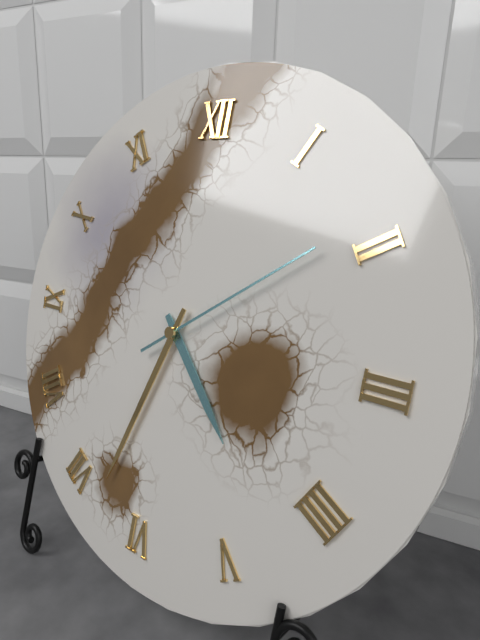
**4:33:09**
